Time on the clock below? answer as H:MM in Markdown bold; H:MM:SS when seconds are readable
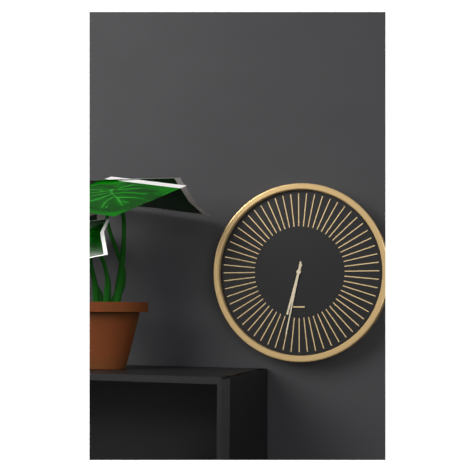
**6:32**
